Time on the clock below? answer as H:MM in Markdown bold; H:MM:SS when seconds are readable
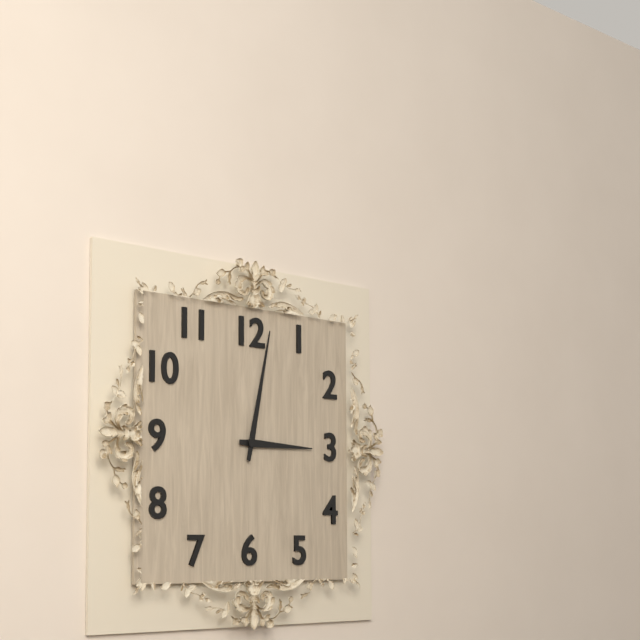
**3:02**
